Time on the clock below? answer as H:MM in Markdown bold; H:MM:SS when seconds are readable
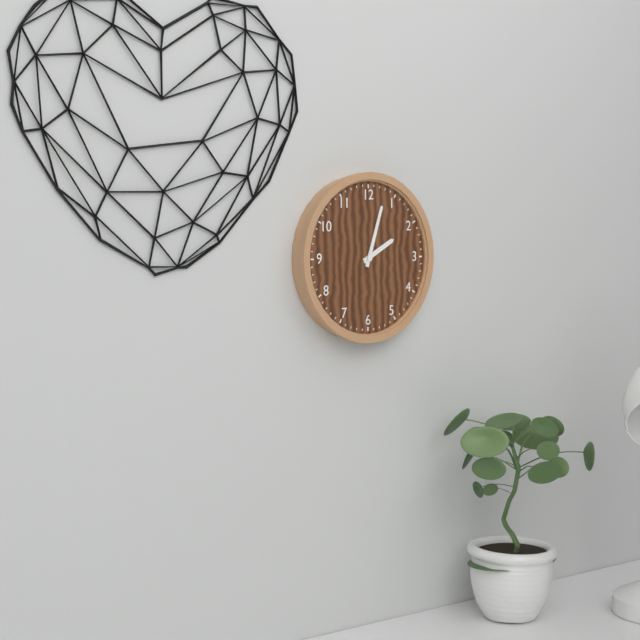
**2:03**
